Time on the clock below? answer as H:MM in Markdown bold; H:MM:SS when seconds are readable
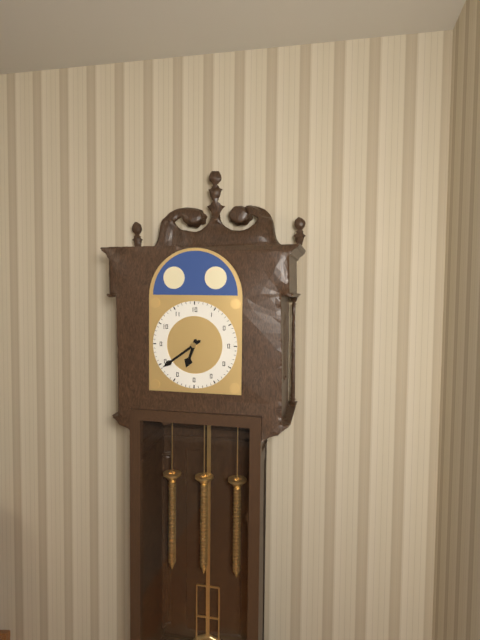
**6:39**
